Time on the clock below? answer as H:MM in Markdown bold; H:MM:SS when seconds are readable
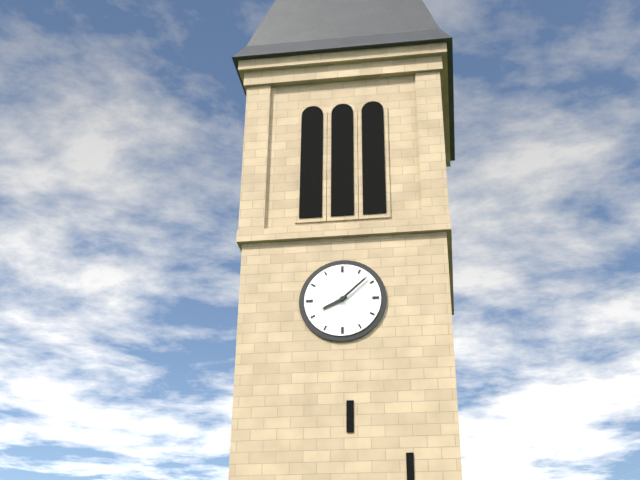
**8:08**
